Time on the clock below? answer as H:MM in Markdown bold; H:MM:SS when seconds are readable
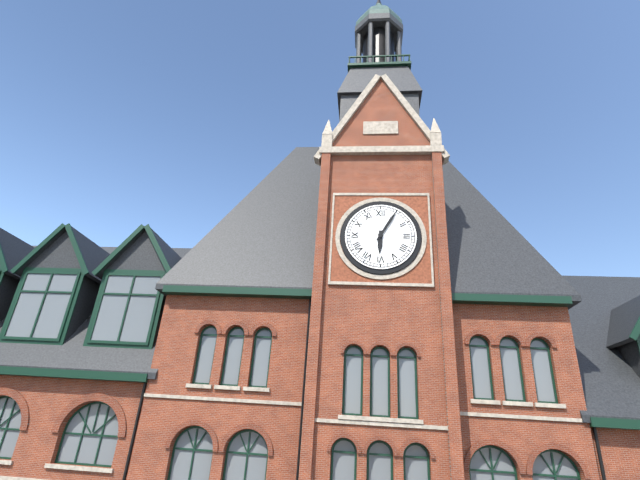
**6:05**
